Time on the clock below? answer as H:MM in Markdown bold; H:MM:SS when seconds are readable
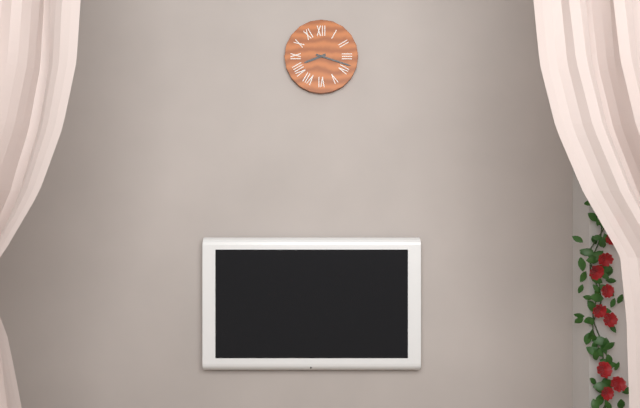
**8:18**
